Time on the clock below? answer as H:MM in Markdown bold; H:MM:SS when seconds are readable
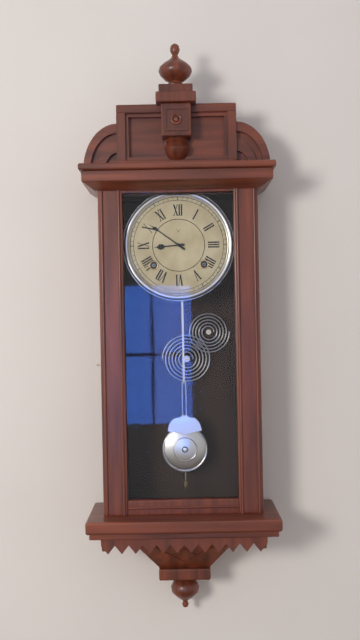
**8:51**
